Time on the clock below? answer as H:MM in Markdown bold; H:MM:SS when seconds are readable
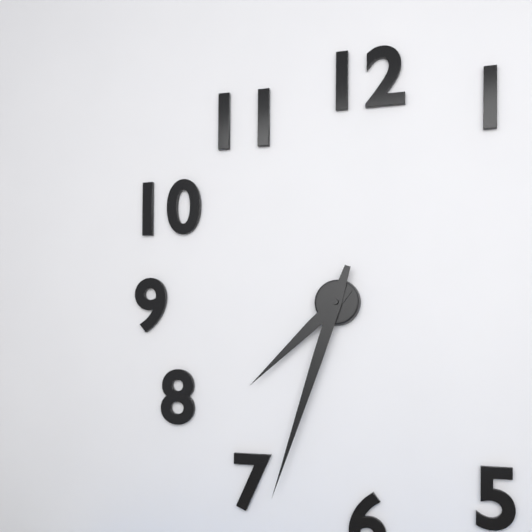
**7:33**
